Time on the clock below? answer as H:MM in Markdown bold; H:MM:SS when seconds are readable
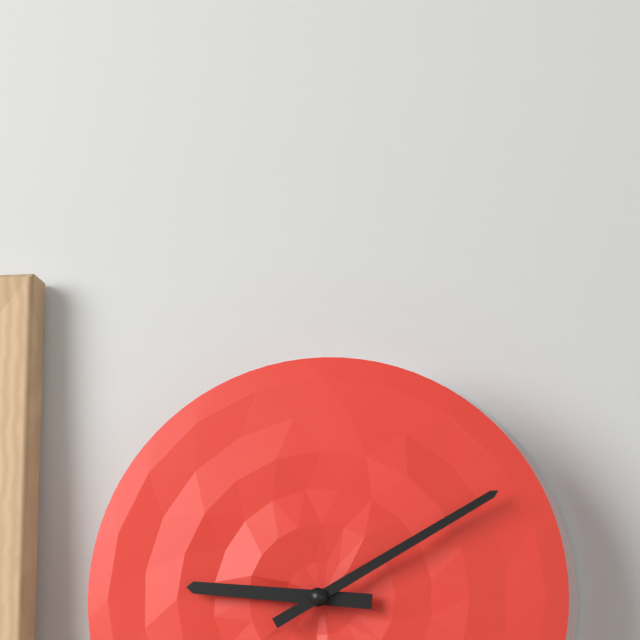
**9:10**
